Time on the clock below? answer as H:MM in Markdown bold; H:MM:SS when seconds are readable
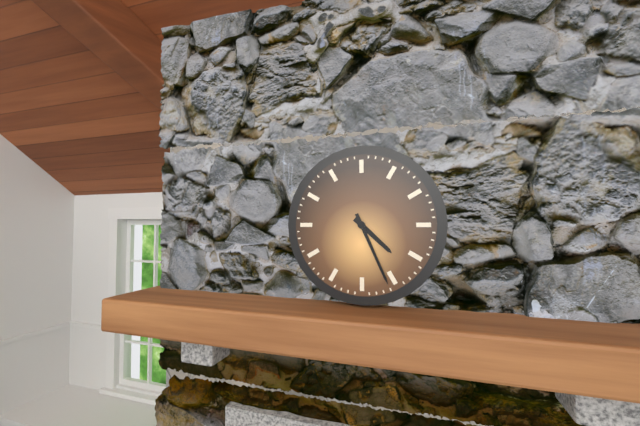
**4:26**
